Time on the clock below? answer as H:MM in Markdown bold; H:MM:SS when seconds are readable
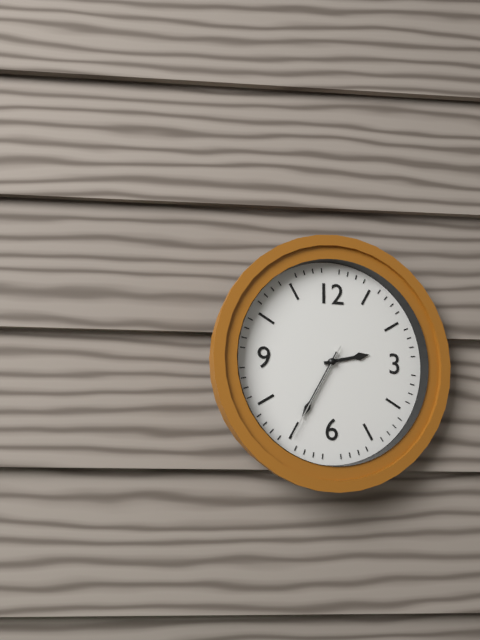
**2:35:35**
